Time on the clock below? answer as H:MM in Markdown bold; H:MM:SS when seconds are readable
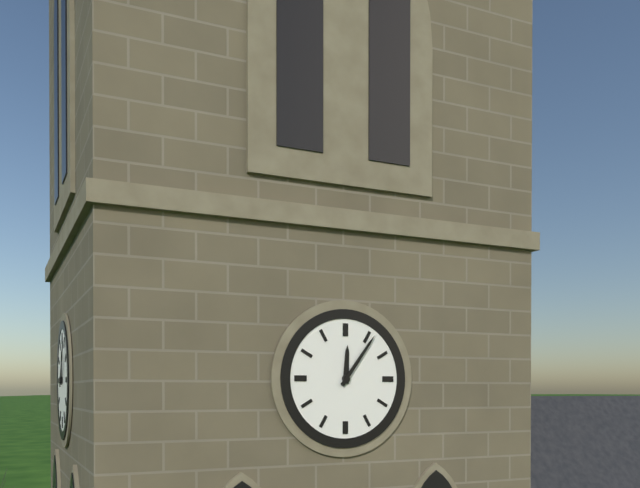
**12:06**
